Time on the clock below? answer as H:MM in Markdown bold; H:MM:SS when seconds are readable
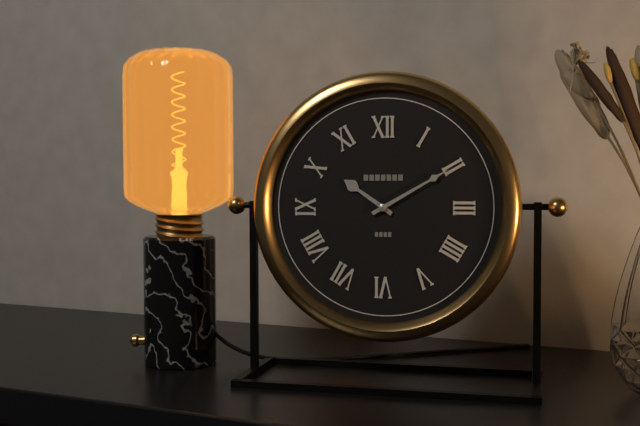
**10:10**
